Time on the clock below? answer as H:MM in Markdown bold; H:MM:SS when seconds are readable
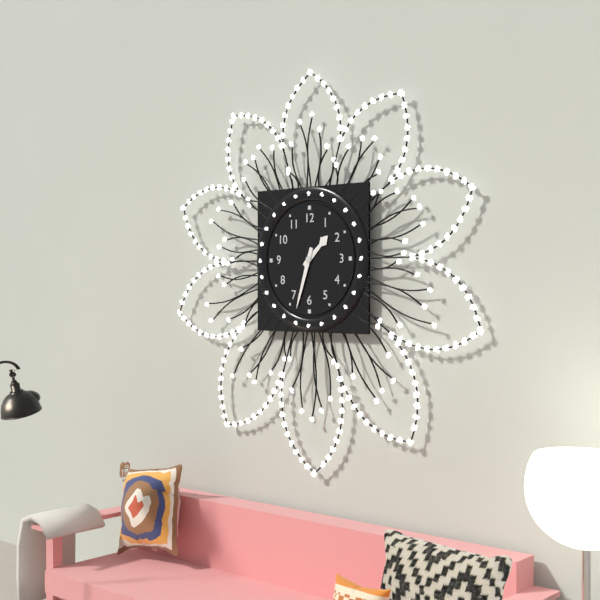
**1:33**
